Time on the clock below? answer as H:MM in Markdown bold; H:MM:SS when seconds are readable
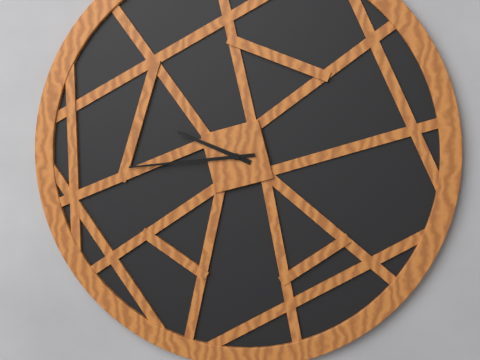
**9:44**
